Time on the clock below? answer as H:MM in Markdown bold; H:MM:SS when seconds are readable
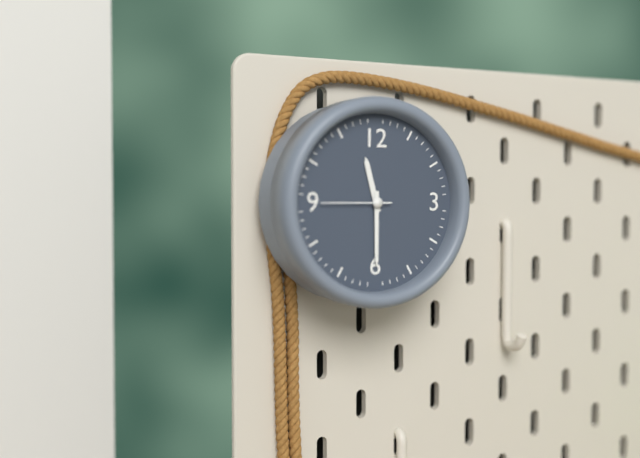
**11:30**
